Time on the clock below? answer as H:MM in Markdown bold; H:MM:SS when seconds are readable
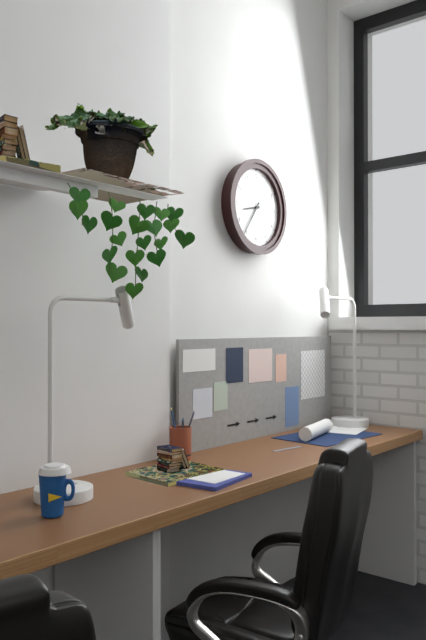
**8:36**
